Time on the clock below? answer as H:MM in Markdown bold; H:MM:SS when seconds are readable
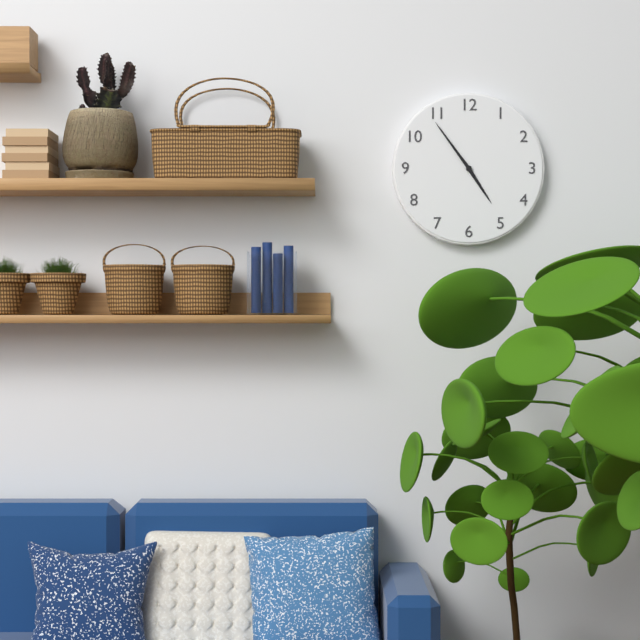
**4:54**
